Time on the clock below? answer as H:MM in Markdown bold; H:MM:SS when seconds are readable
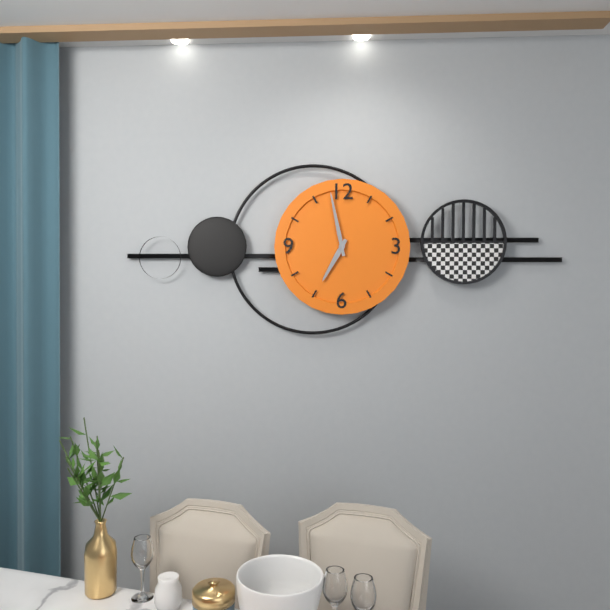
**6:58**
